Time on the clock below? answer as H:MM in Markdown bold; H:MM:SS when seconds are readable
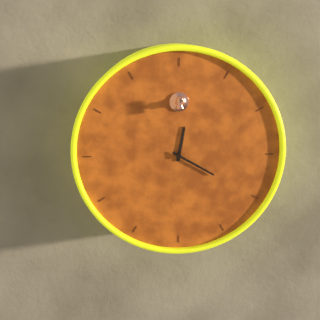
**12:20**
